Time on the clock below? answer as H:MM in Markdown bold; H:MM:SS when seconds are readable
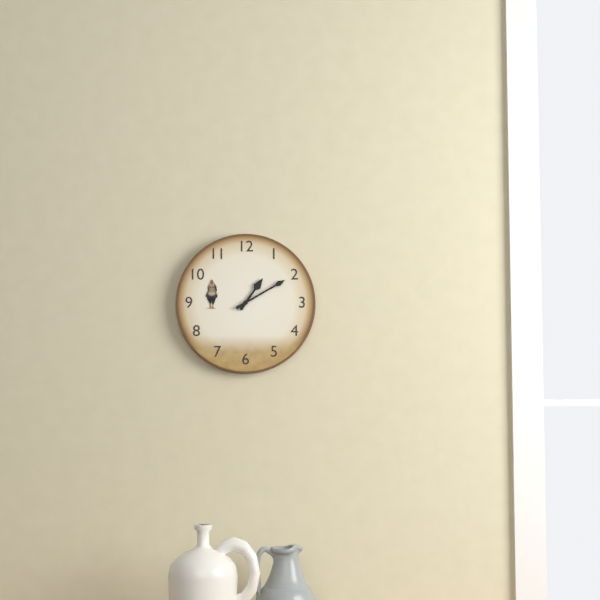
**1:10**
